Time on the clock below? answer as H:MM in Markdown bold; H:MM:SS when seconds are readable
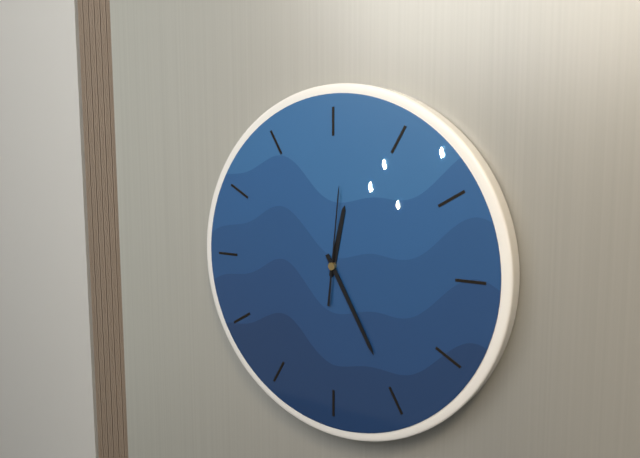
**12:25:01**
